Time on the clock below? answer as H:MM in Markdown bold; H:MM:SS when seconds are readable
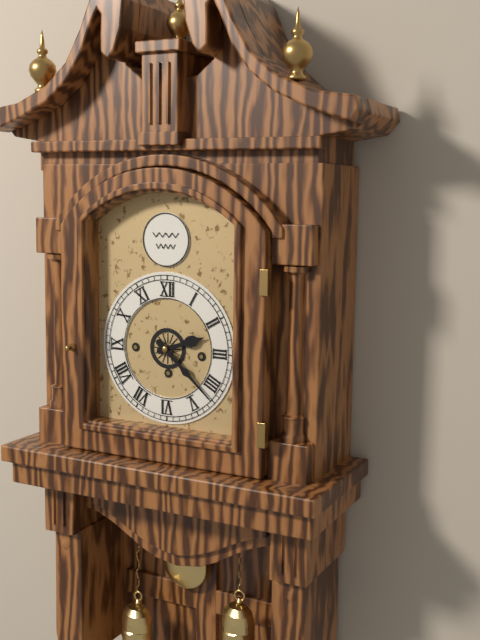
**2:22**
